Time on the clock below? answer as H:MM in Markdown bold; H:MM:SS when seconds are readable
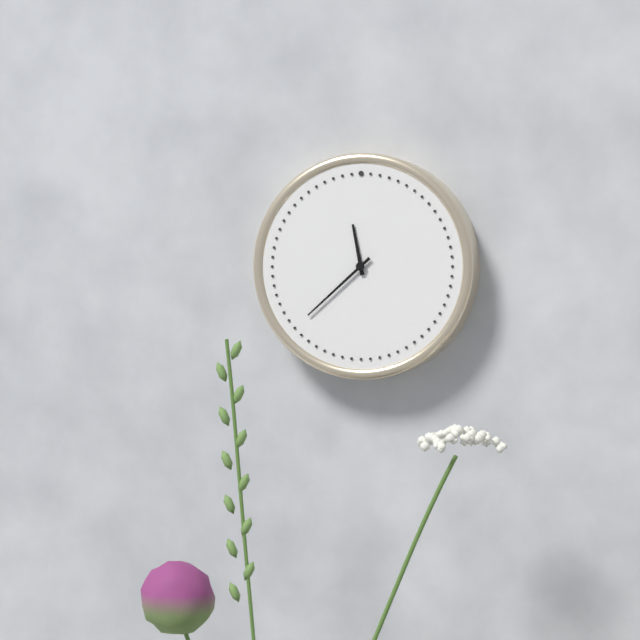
**11:38**
